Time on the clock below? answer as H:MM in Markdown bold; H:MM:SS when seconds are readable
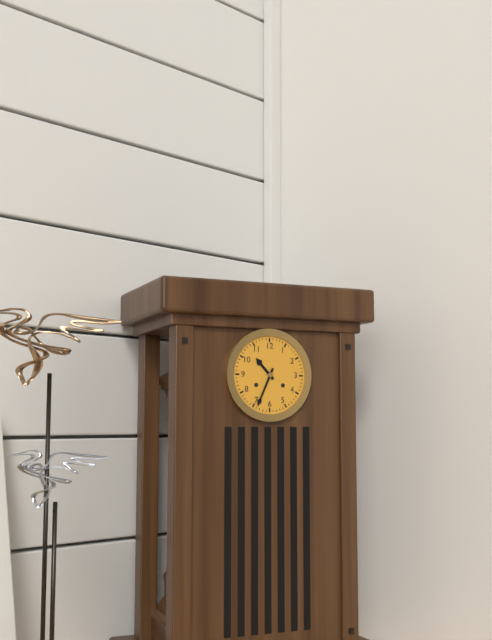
**10:34**
